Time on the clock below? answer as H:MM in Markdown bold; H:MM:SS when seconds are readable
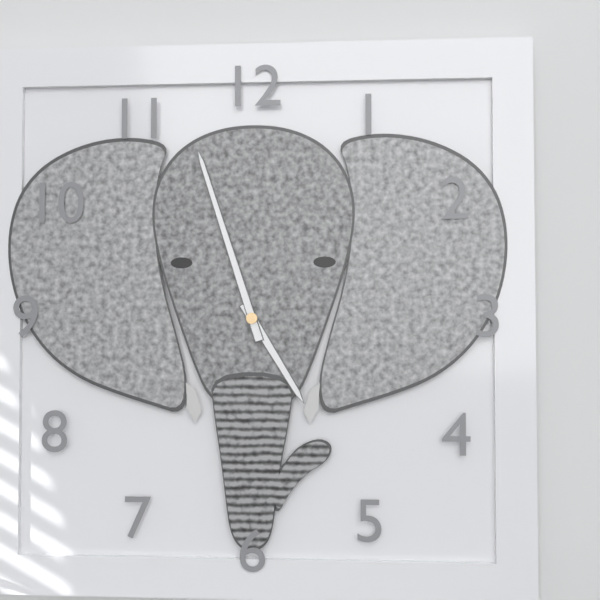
**4:57**
